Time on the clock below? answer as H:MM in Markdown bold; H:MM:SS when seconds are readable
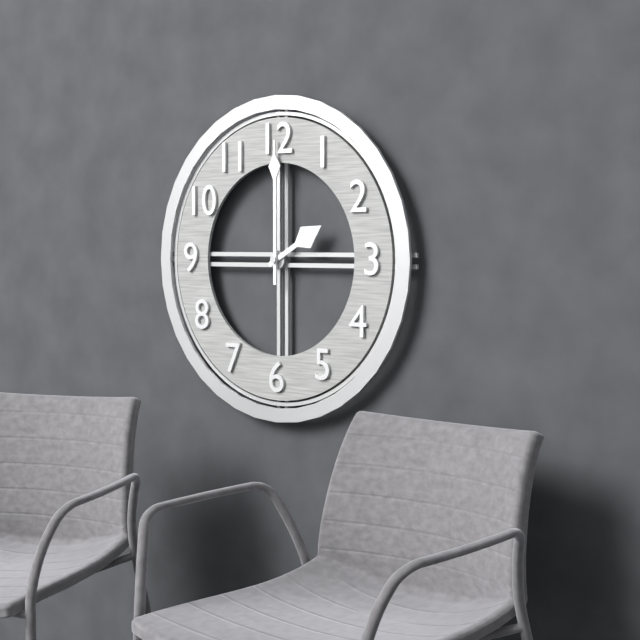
**2:00**
